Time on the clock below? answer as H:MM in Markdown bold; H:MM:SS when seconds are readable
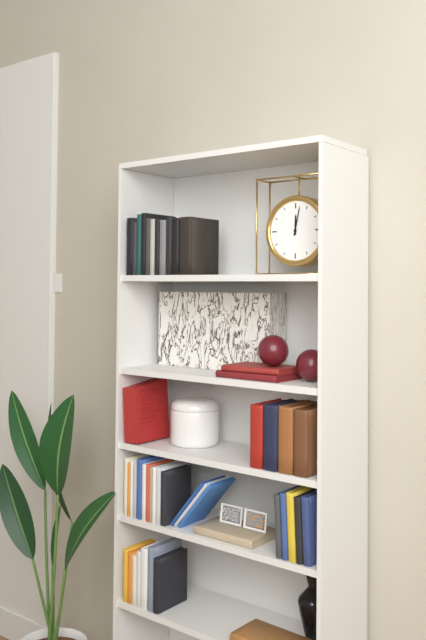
**12:02**
